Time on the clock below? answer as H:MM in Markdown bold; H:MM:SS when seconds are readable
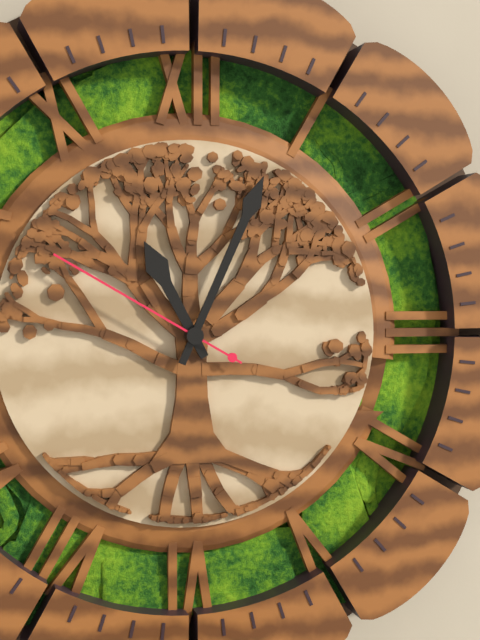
**11:04:50**
